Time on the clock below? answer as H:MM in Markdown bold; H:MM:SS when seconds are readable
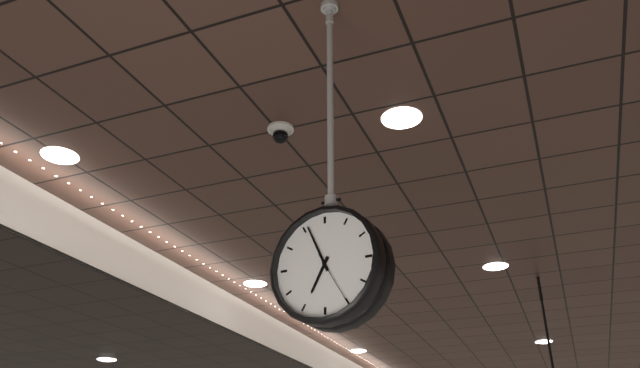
**6:56:25**
